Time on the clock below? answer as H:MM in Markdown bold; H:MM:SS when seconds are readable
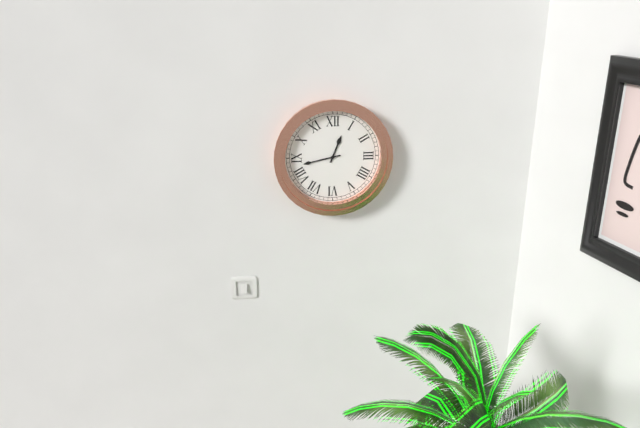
**12:43**
